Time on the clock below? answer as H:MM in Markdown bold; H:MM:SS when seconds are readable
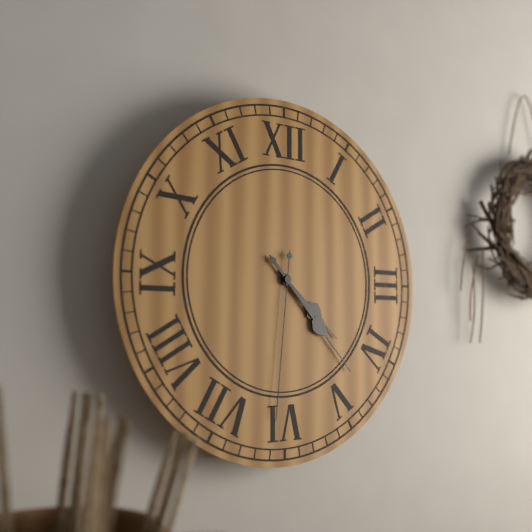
**4:23:31**
